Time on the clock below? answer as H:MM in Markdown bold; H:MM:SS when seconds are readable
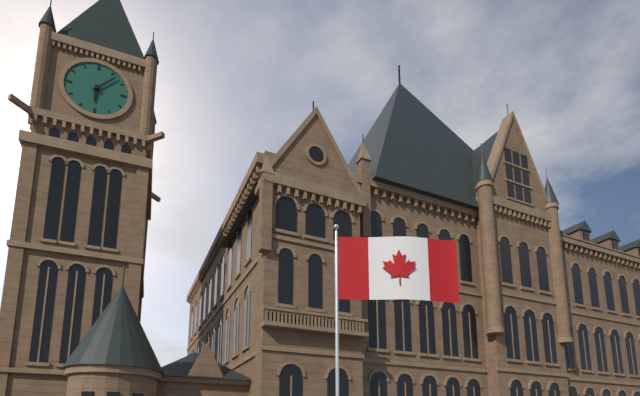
**6:07**
